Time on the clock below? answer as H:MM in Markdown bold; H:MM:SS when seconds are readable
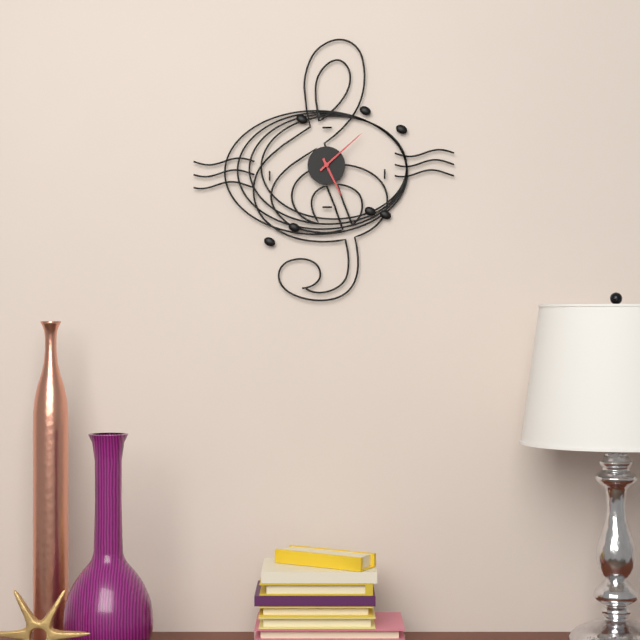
**5:08**
